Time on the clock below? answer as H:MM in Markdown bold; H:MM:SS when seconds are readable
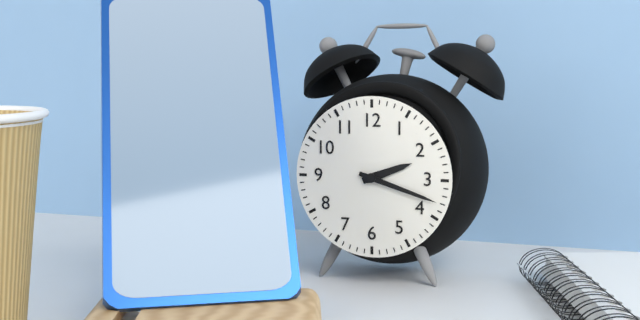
**2:18**
